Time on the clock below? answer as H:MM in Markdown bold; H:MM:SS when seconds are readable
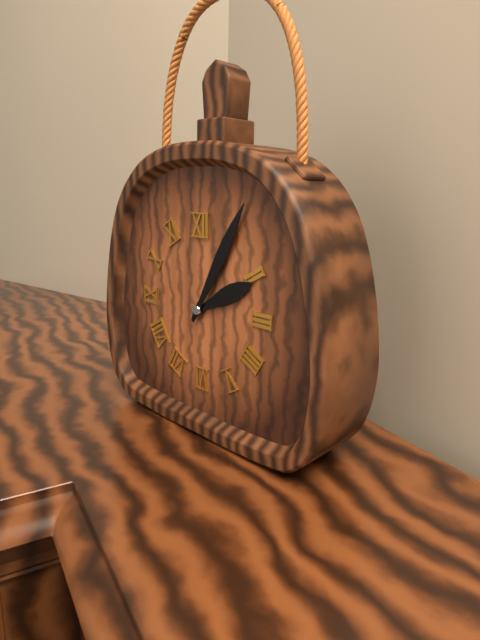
**2:05**
